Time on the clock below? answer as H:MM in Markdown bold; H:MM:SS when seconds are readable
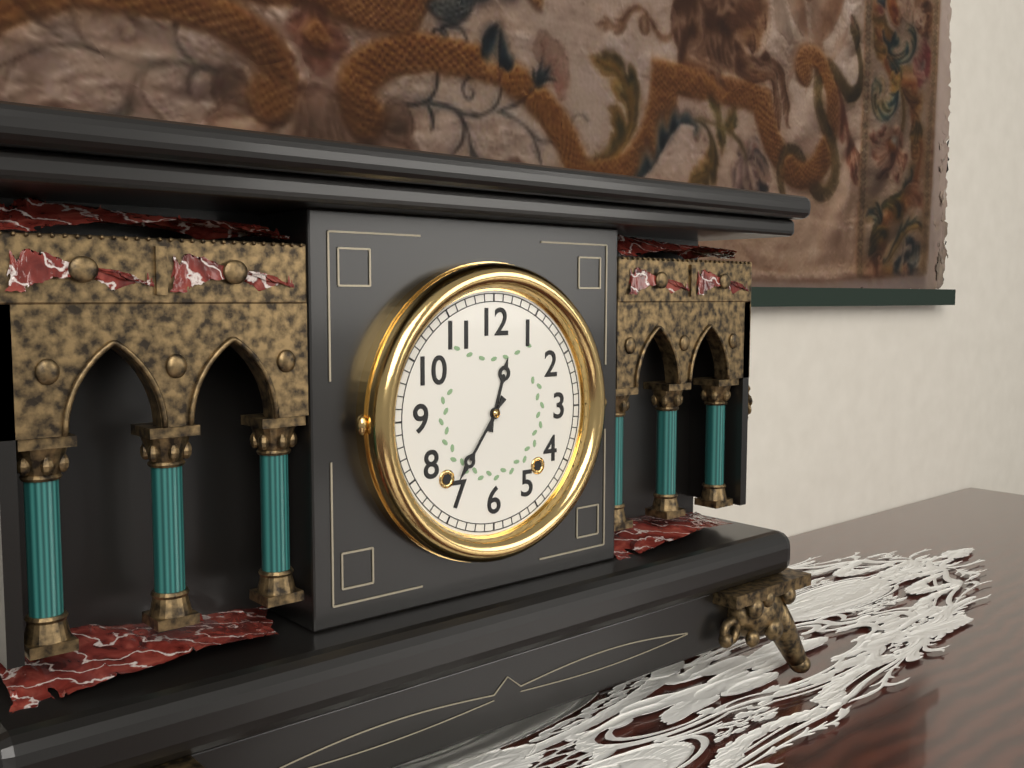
**12:36**
